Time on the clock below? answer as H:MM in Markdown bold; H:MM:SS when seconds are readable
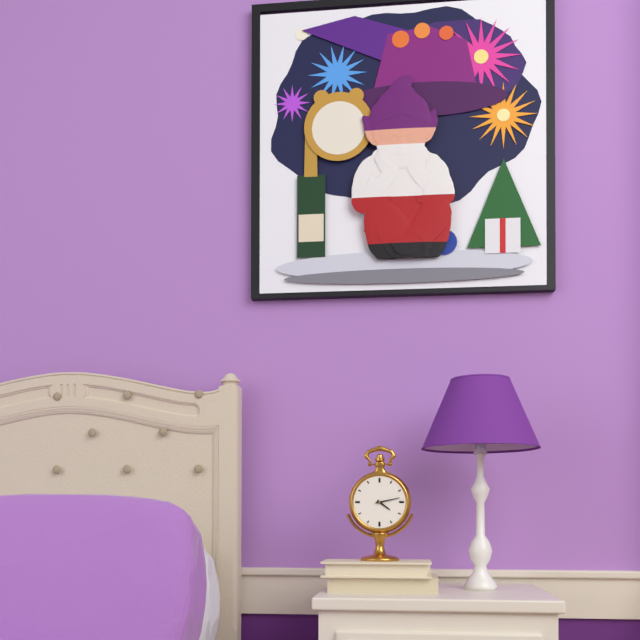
**4:13**
